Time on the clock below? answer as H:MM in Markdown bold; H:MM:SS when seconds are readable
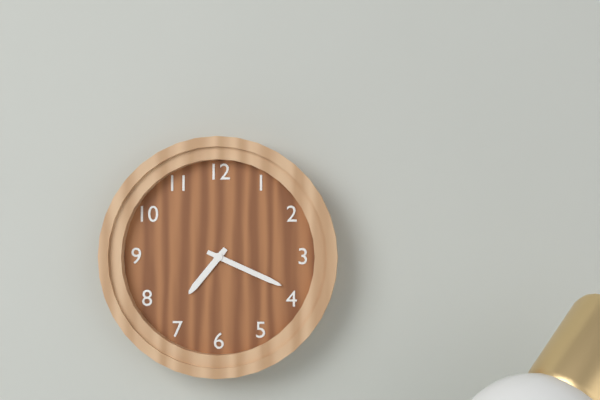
**7:19**
